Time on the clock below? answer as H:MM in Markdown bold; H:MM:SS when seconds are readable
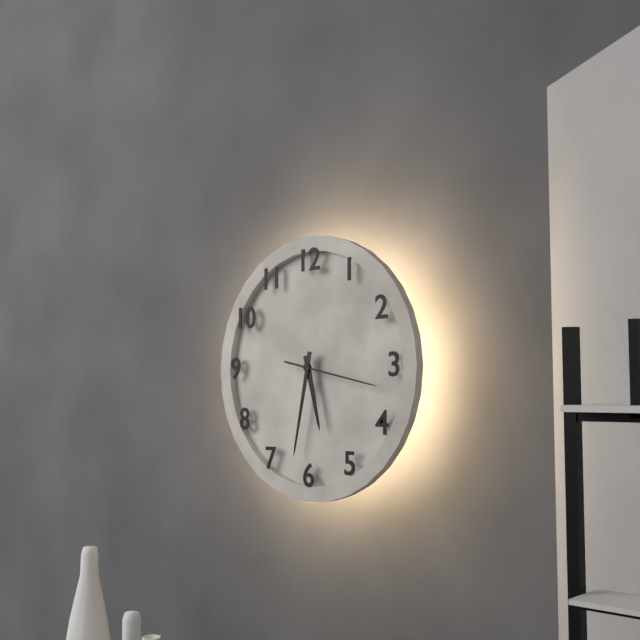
**5:32:17**
